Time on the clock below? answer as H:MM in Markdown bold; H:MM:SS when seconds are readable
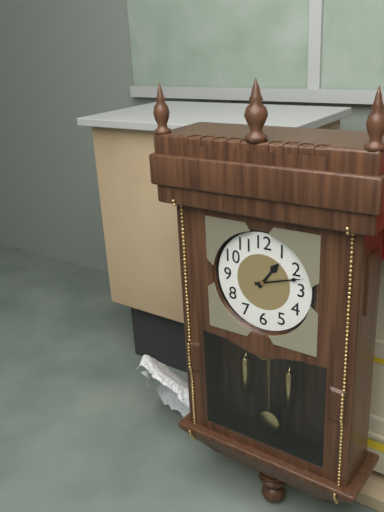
**1:12**
